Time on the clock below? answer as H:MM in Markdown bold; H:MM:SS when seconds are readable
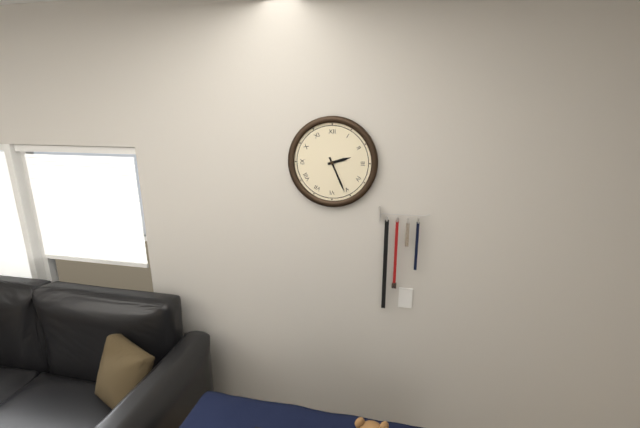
**2:26**
